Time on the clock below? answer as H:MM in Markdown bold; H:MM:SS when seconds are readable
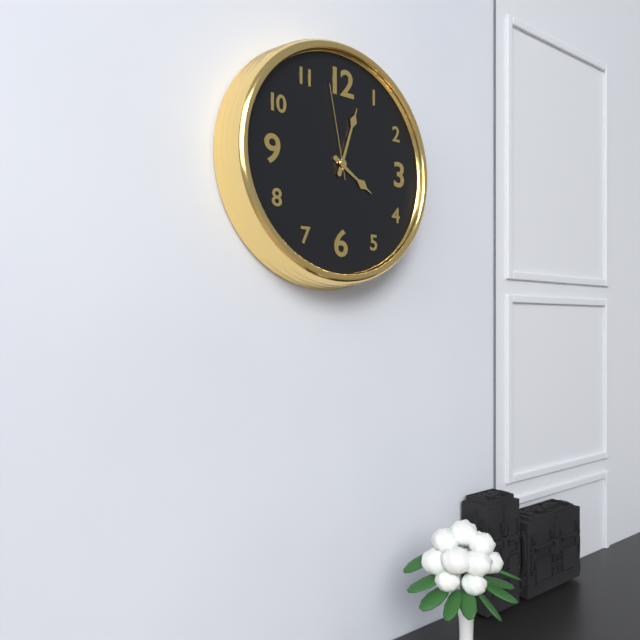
**4:03:58**
